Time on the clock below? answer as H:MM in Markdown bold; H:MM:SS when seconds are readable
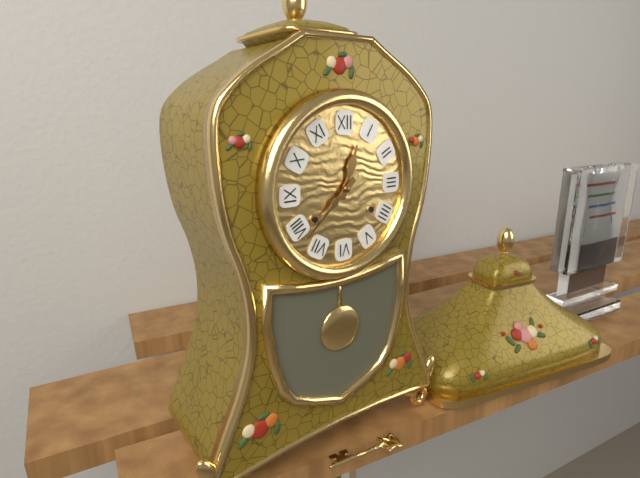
**12:38**
